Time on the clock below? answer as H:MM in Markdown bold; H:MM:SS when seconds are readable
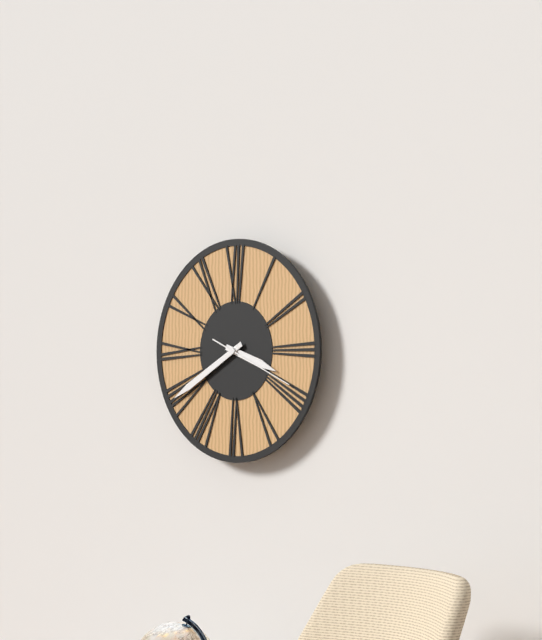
**3:40:19**
